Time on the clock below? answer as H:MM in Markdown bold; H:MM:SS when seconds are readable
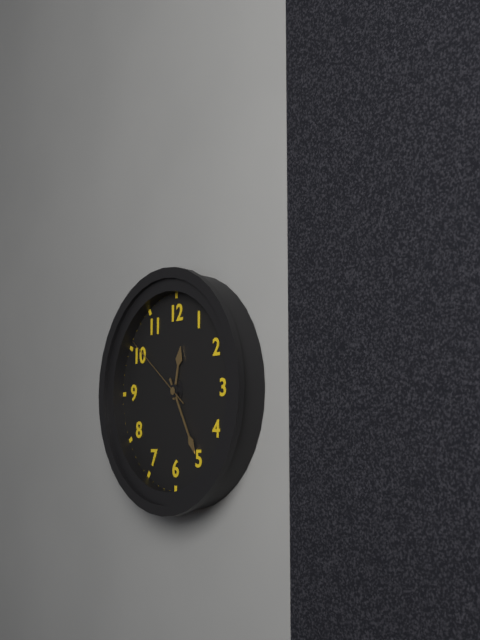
**12:25:51**
